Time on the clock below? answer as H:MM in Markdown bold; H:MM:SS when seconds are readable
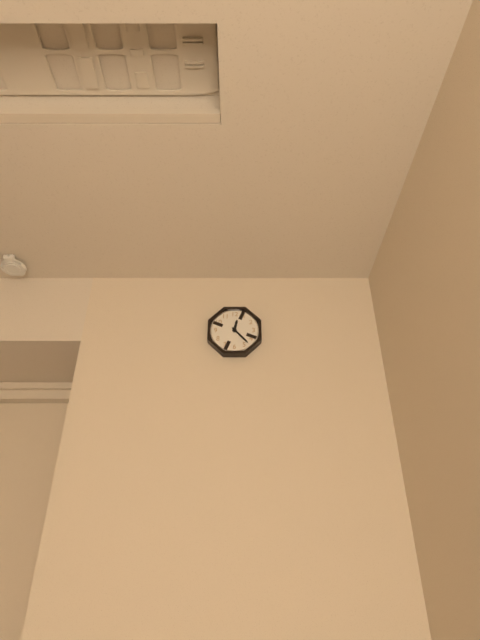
**12:23**
